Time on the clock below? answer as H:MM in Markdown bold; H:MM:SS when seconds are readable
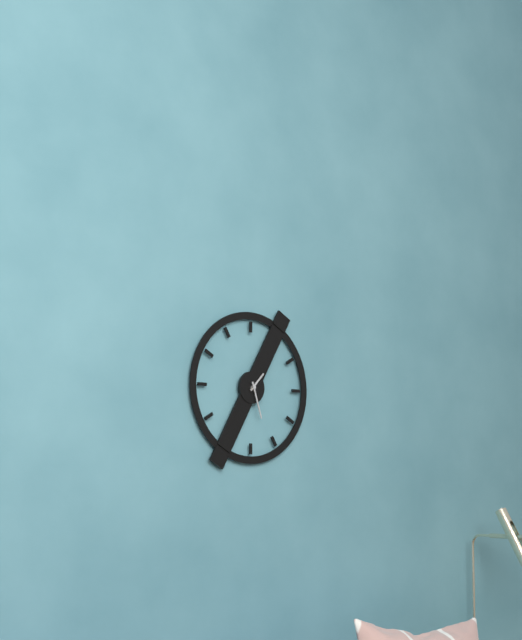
**1:27**
